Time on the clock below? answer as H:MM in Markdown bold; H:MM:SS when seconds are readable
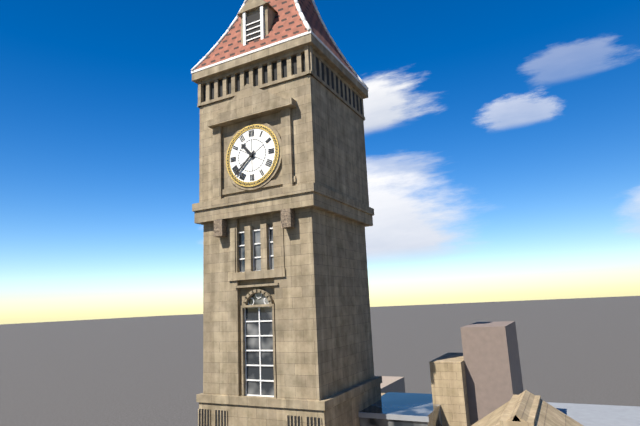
**10:38**
